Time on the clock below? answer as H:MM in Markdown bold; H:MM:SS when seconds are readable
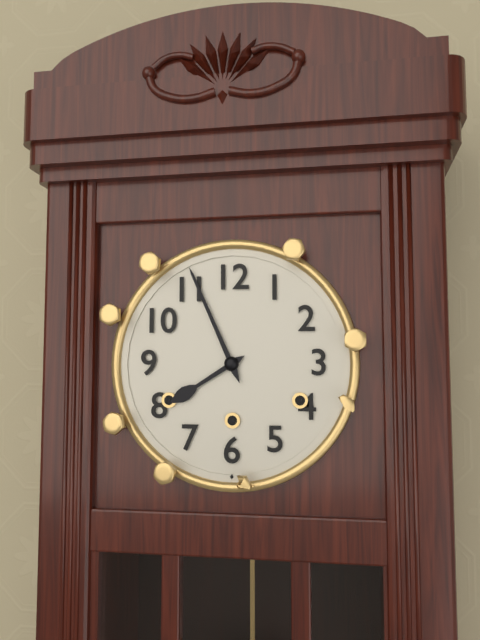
**7:56**
